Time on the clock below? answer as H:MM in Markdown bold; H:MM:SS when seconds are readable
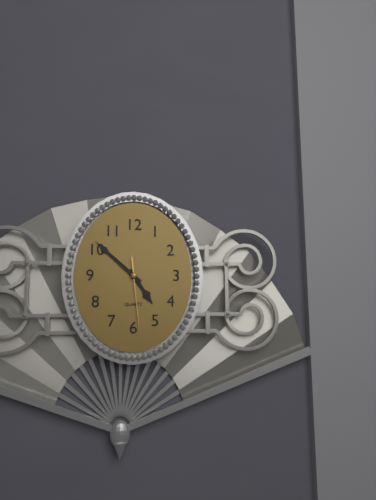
**4:52:29**
